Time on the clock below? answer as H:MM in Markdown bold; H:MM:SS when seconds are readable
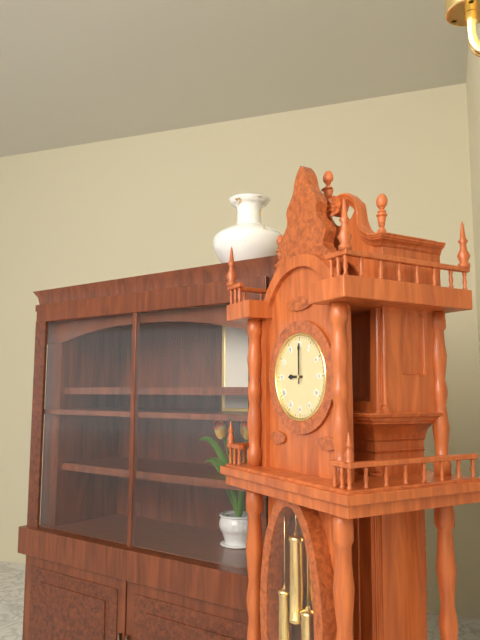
**9:00**
